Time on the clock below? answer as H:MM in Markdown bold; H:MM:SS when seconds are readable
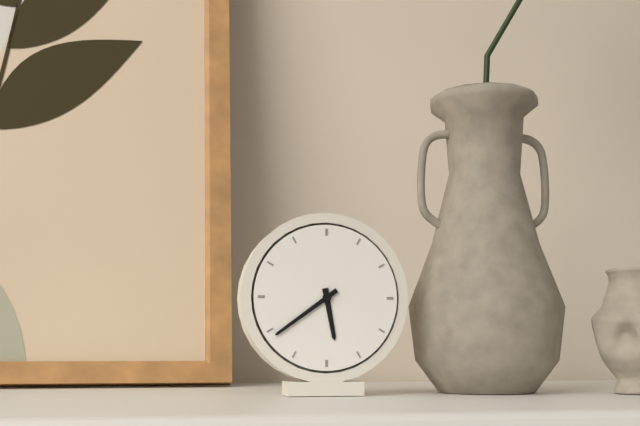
**5:39**
